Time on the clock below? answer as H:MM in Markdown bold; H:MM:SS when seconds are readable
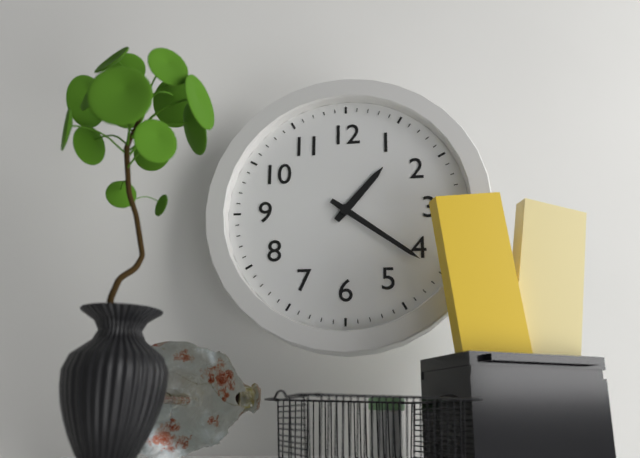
**1:21**
